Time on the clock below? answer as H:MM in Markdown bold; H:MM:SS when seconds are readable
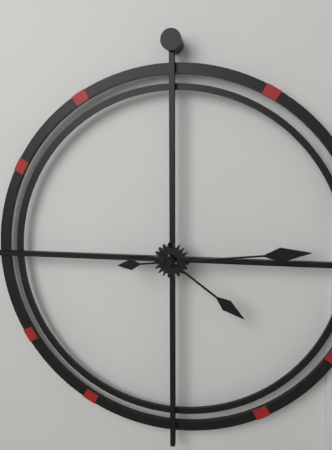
**4:14**
